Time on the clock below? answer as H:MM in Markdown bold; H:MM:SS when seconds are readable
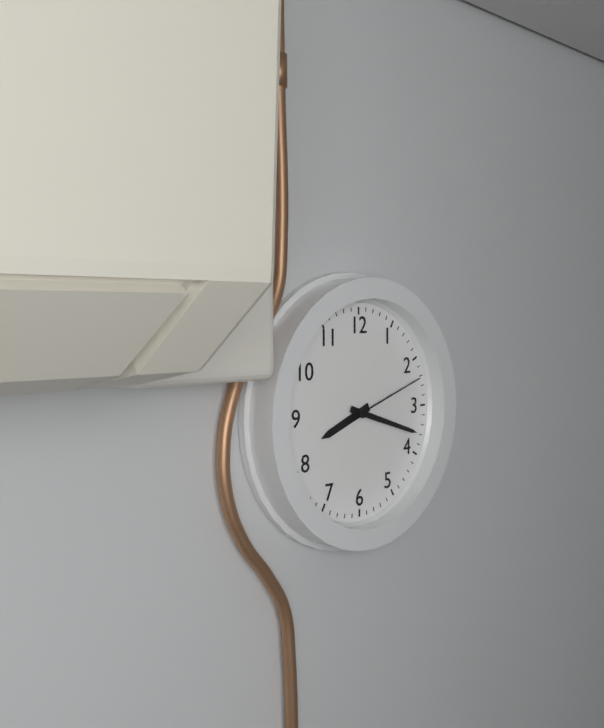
**8:18:12**
